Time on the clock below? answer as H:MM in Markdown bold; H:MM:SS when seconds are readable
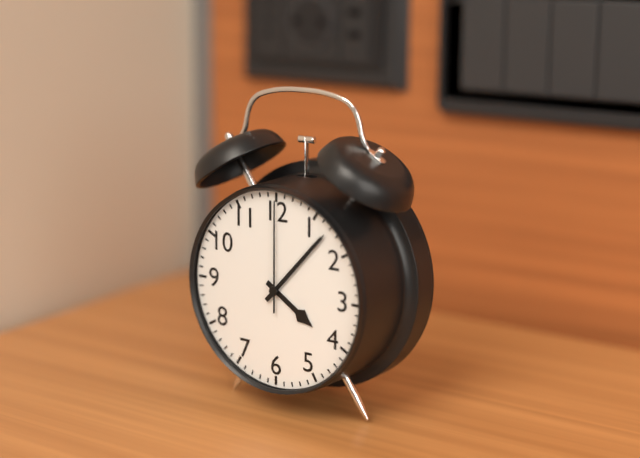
**4:07:00**
